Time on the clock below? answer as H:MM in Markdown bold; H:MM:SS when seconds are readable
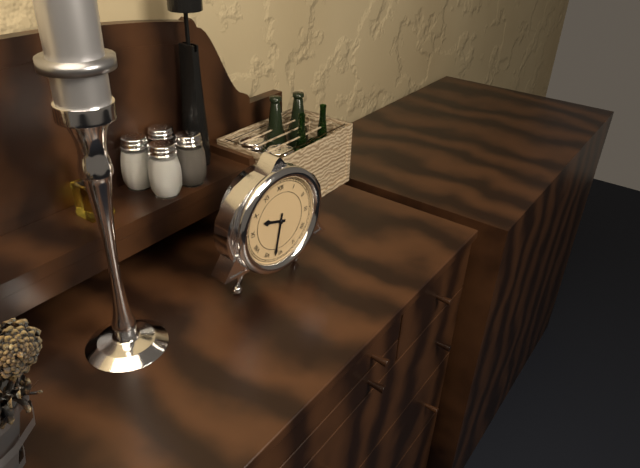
**9:32**
